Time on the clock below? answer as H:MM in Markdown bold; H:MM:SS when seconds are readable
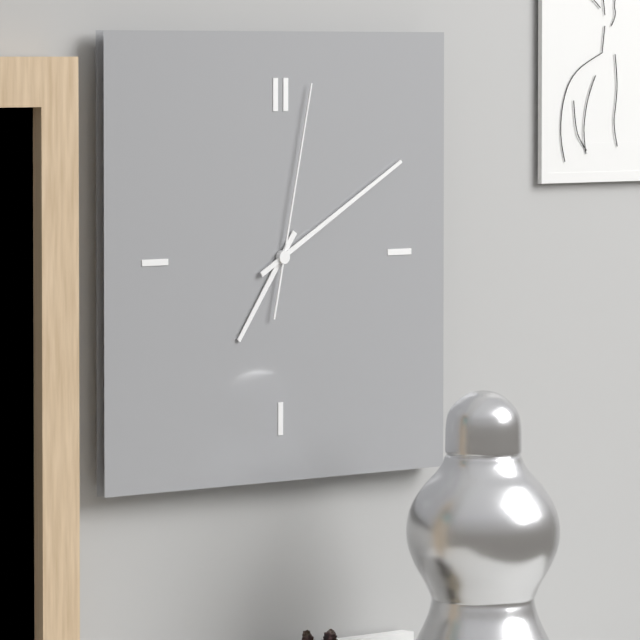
**7:10:02**
